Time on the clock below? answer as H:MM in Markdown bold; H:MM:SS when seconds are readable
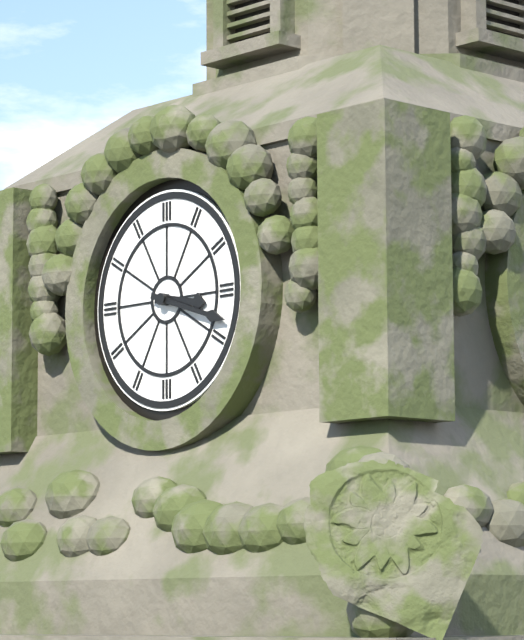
**3:18**
